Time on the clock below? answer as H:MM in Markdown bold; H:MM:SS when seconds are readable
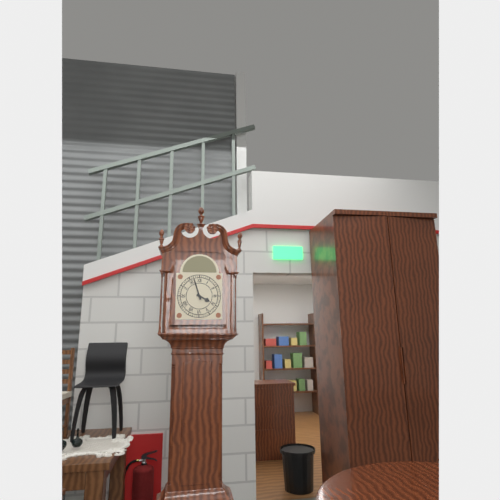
**3:57**
